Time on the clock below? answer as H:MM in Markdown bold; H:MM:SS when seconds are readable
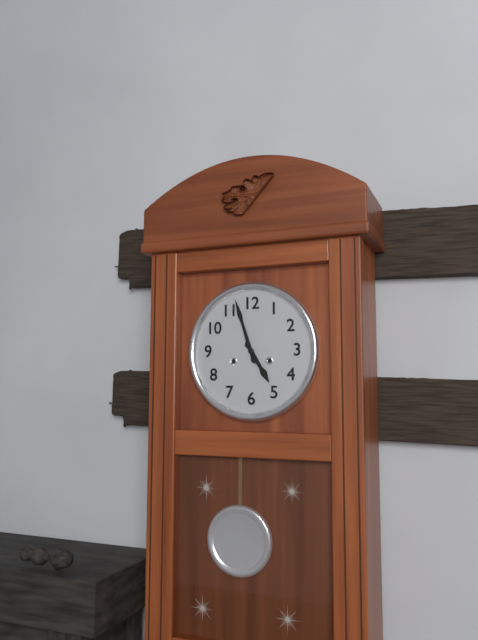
**4:57**
